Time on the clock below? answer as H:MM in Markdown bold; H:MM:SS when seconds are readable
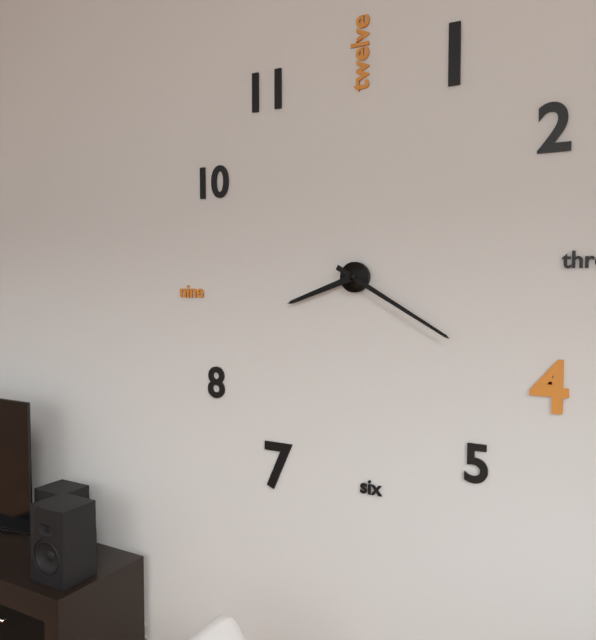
**8:20**
